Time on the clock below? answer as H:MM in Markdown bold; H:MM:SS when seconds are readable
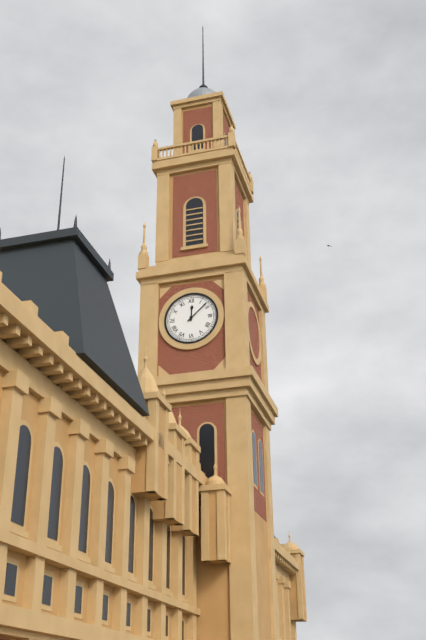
**12:08**
